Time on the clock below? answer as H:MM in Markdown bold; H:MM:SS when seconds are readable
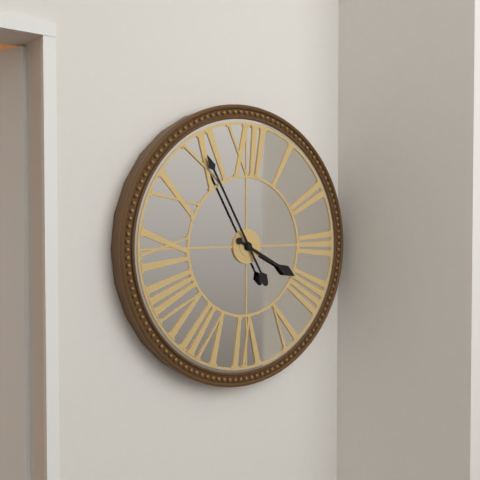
**3:55**
